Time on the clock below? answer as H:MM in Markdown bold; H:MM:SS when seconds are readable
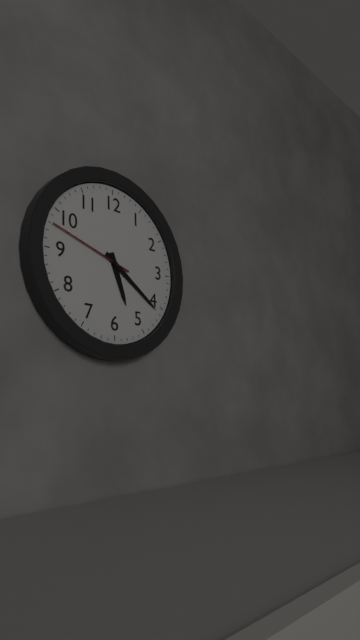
**5:21:48**
